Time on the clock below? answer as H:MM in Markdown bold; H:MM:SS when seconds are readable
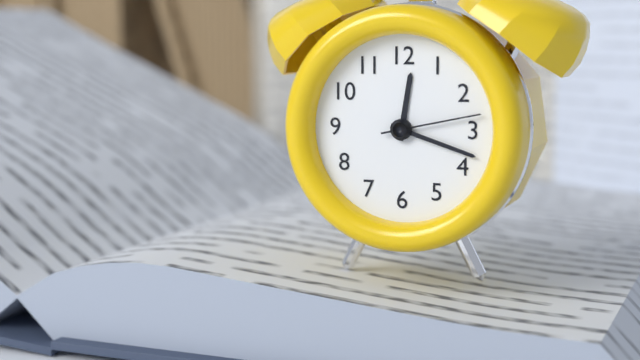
**12:18:13**
